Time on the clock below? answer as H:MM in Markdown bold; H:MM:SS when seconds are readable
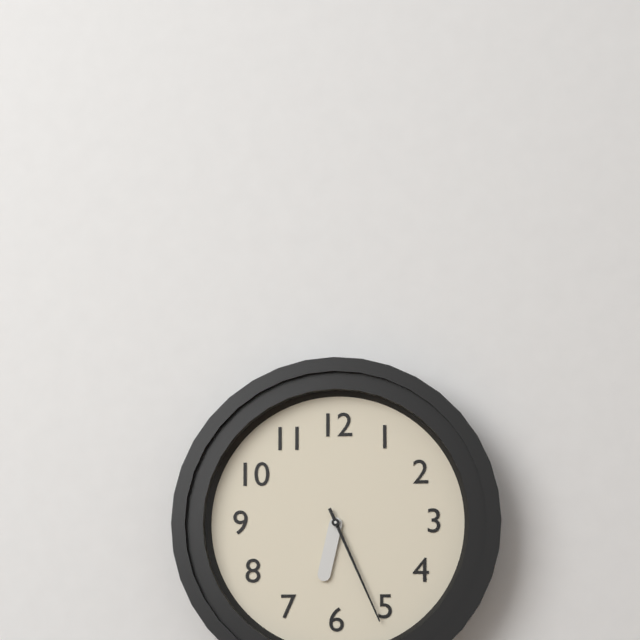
**6:26**
